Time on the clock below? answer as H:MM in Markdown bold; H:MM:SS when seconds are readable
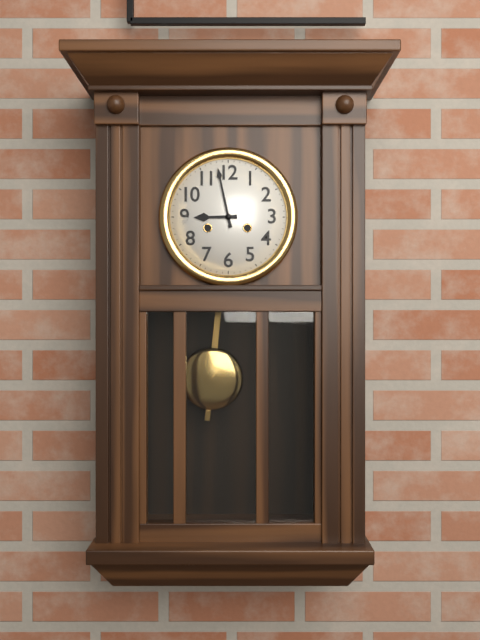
**8:58**
